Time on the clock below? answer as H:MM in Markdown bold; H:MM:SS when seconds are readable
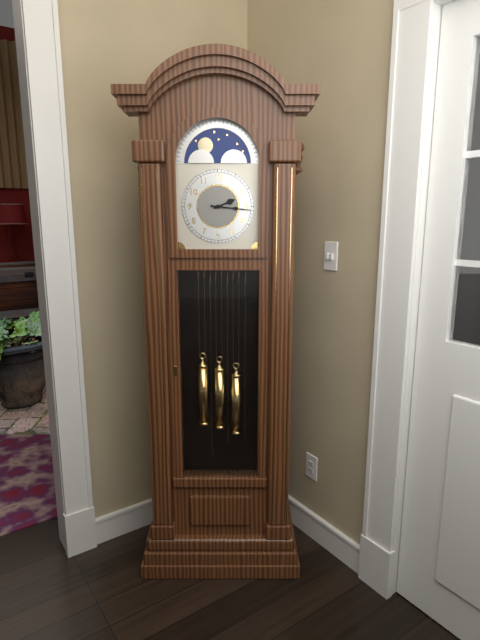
**2:16**
